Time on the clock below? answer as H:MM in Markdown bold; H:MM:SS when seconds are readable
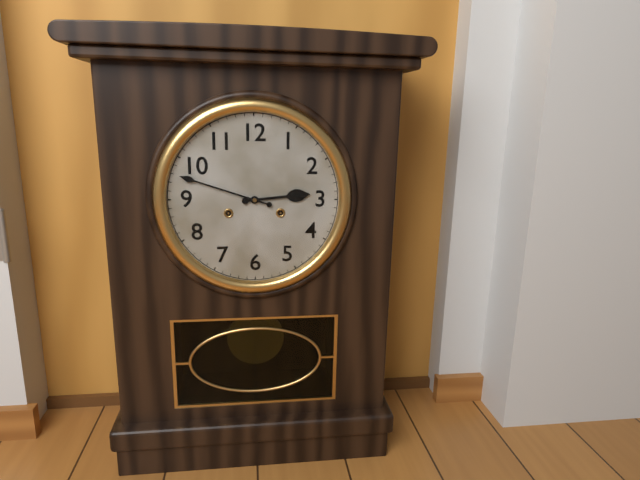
**2:48**
